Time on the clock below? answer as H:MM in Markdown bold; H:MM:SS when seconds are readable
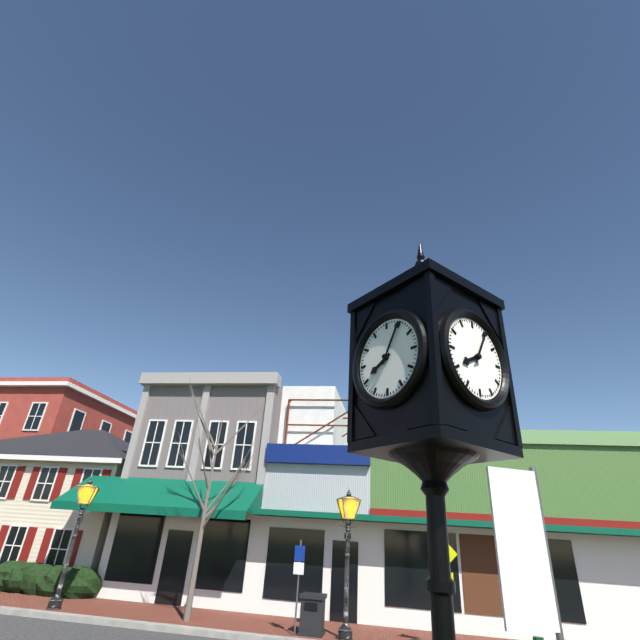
**8:05**
